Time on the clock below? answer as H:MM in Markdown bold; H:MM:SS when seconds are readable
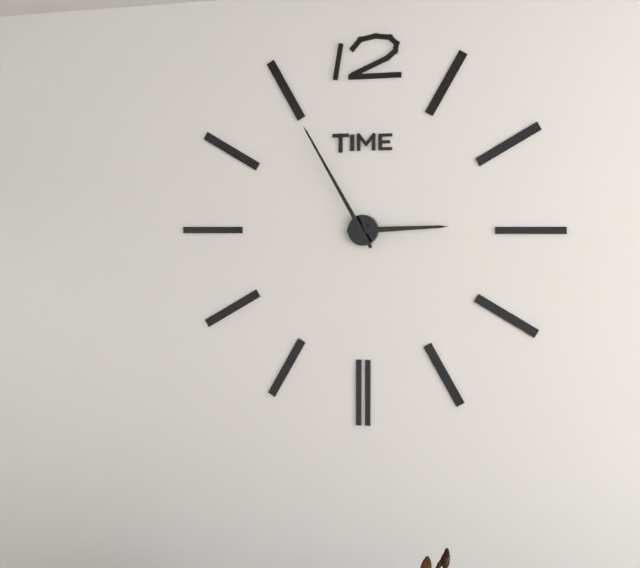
**2:55**
